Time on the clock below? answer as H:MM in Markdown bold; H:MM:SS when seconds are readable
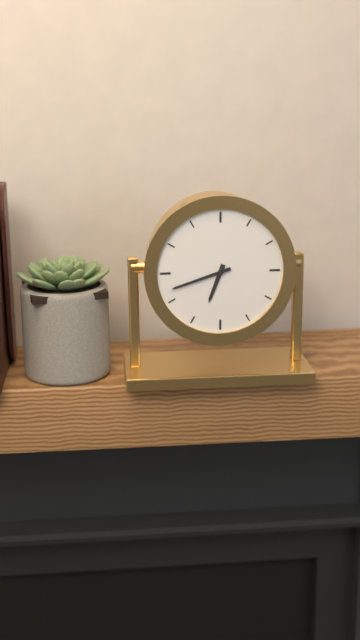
**6:42**
